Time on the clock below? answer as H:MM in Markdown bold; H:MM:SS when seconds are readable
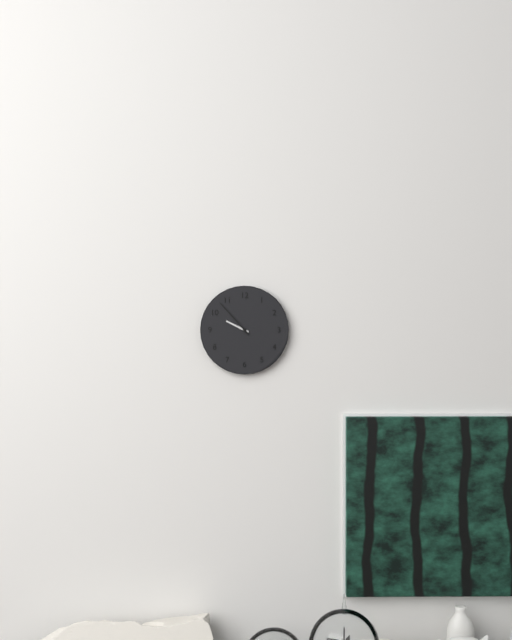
**9:53**
